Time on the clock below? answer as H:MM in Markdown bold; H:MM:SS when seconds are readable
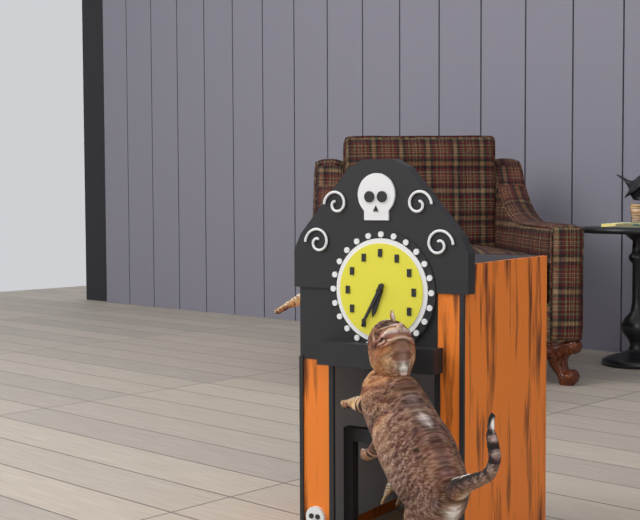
**6:35**
